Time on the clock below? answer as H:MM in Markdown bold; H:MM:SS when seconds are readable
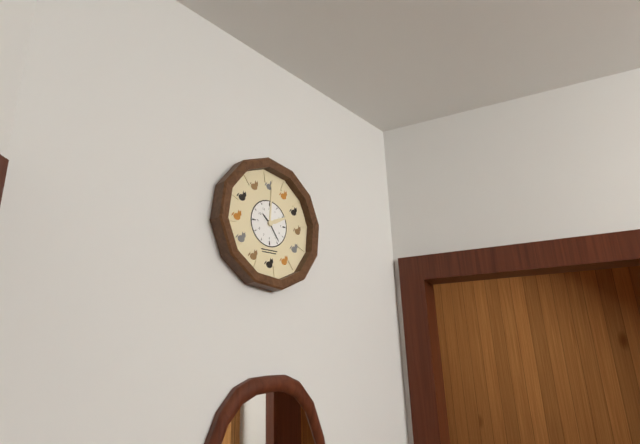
**10:24**
